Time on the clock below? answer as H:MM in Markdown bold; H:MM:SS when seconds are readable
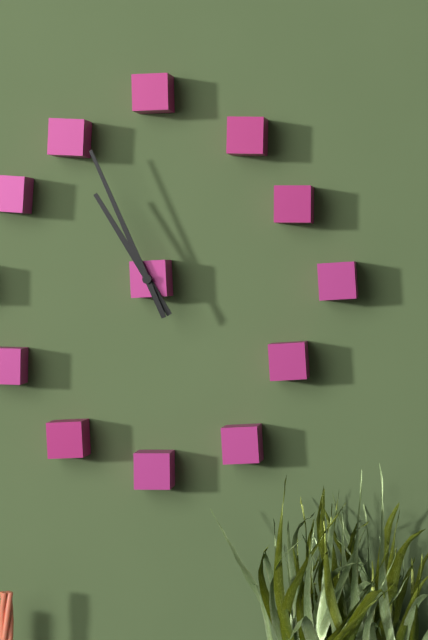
**10:56**
